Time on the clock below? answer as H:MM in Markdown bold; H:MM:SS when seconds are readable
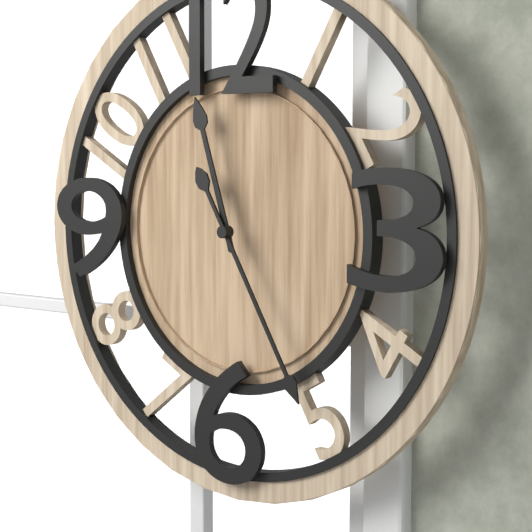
**11:25**
